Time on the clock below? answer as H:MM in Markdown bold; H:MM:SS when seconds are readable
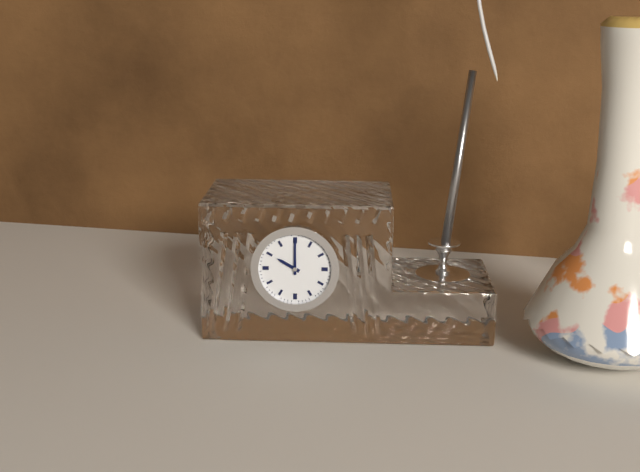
**10:00**
